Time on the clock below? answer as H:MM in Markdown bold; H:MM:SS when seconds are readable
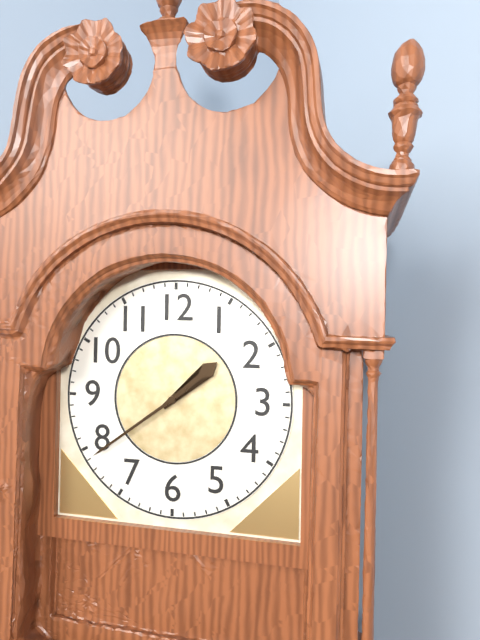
**1:39**
